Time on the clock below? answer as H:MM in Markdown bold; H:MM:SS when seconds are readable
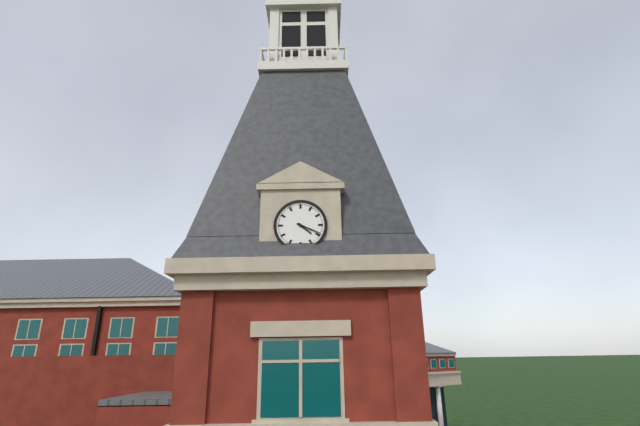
**4:19**
